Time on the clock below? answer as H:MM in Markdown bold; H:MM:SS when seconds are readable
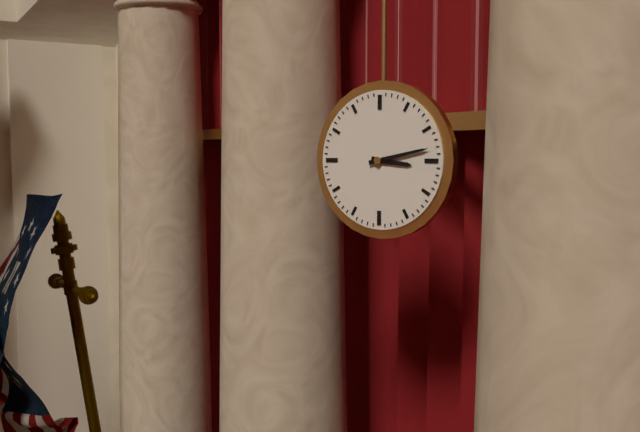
**3:13**
